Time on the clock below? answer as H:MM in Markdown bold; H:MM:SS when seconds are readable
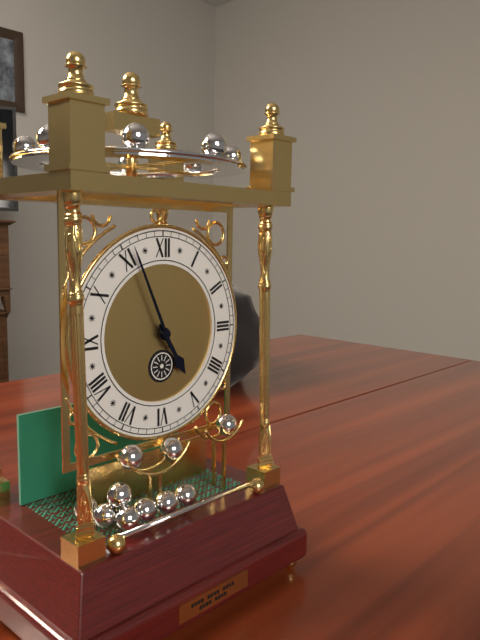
**4:56**
